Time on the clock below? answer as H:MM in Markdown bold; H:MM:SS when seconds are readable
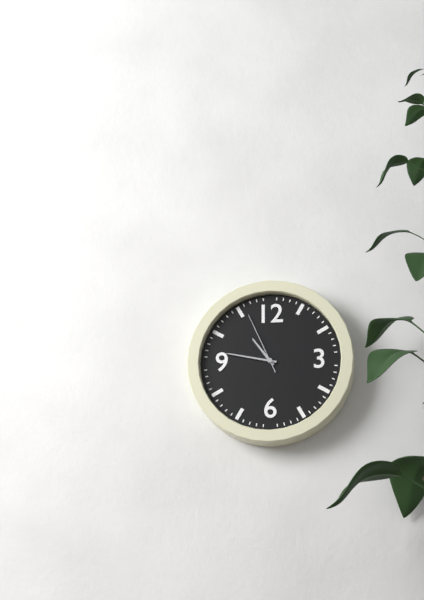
**10:47:56**
